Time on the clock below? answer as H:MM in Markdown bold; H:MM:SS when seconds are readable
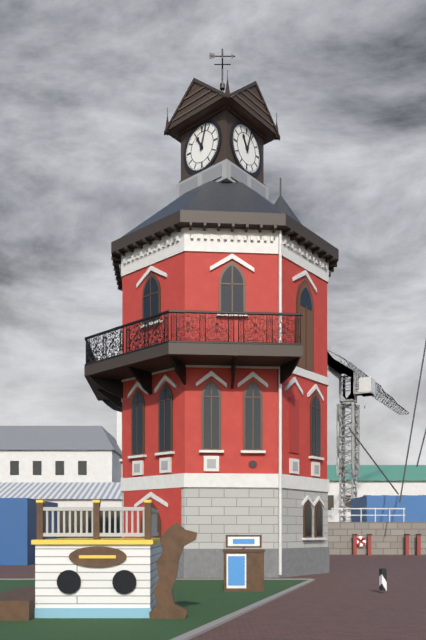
**11:03**
